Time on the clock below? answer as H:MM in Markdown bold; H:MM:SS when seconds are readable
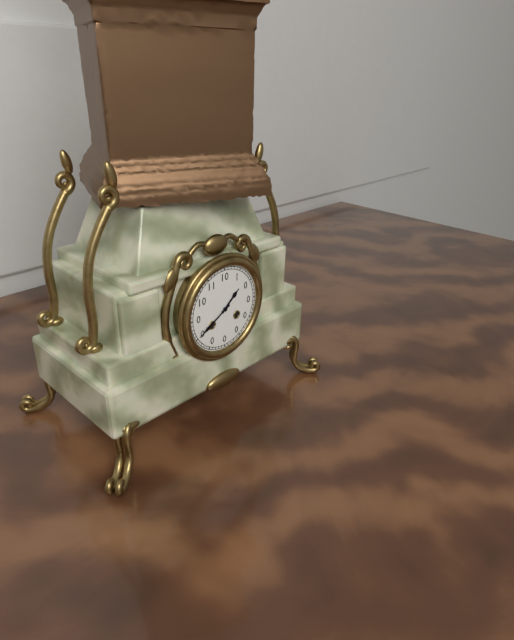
**1:40**
